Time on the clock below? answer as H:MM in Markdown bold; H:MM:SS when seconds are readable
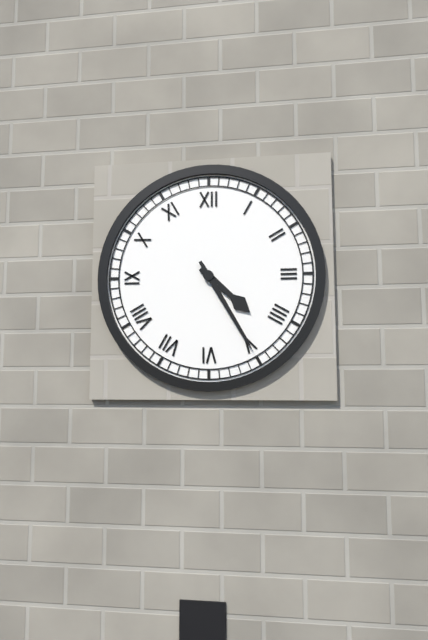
**4:25**
